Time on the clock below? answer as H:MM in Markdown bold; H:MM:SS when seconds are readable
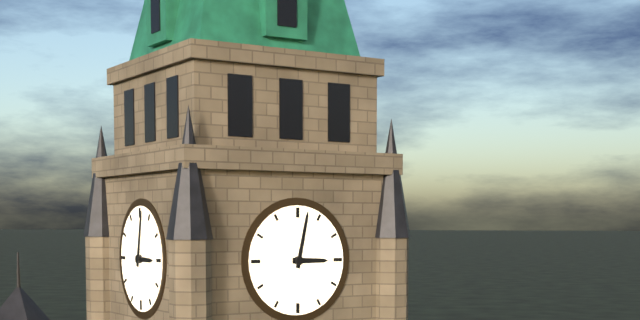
**3:02**
